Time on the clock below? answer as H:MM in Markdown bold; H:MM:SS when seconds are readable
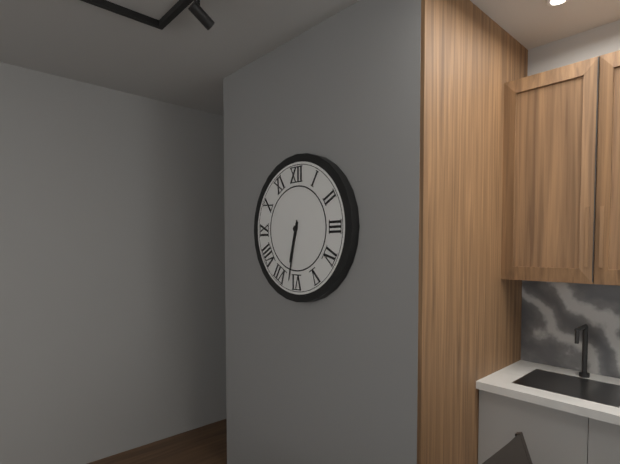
**6:32**
